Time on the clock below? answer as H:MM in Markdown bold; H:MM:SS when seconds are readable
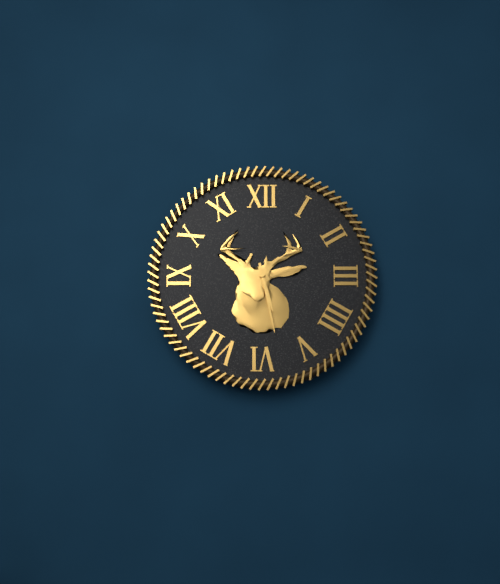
**5:28**
